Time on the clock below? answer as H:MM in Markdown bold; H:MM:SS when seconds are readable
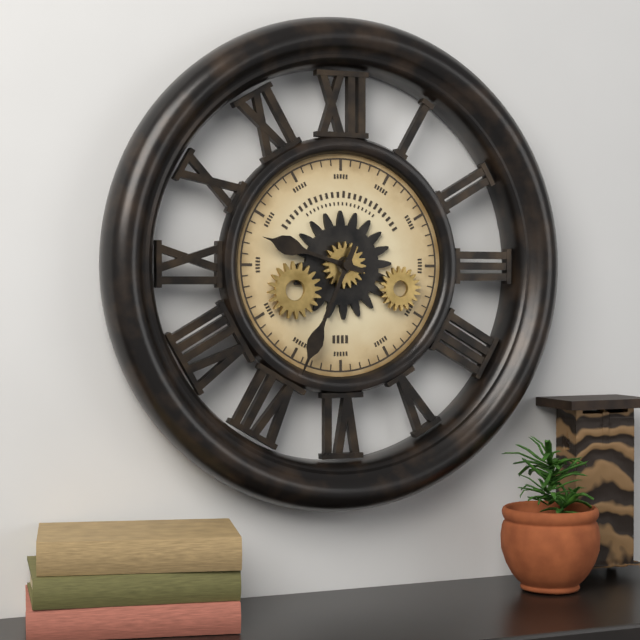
**9:34**
